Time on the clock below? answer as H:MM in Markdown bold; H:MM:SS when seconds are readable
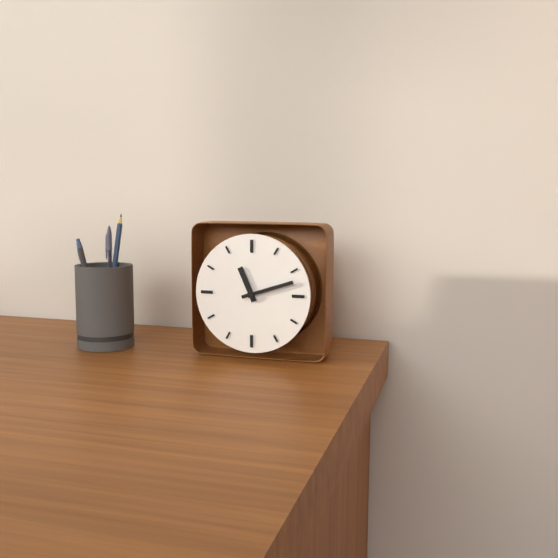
**11:12**
